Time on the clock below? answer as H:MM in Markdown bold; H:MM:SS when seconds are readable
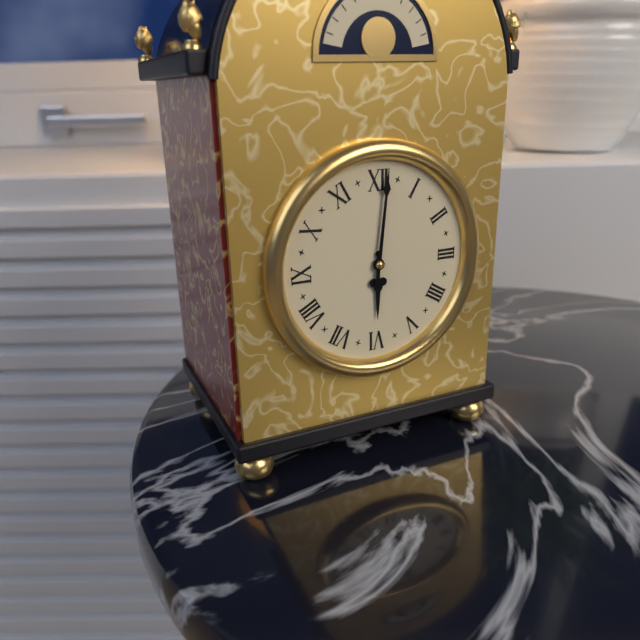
**6:01**
